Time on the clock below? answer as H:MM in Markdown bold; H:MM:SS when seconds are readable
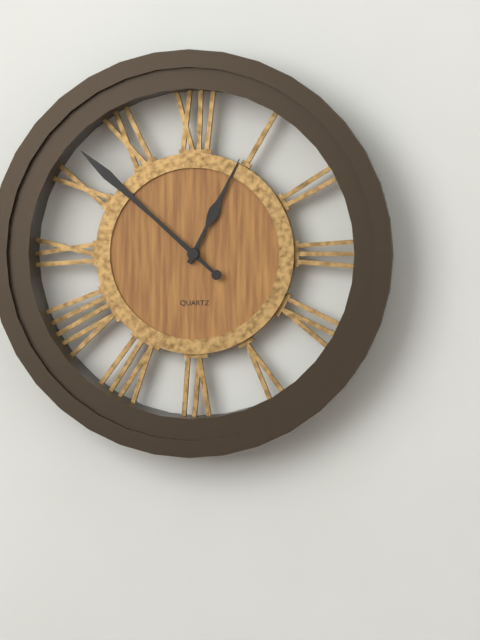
**12:52**
